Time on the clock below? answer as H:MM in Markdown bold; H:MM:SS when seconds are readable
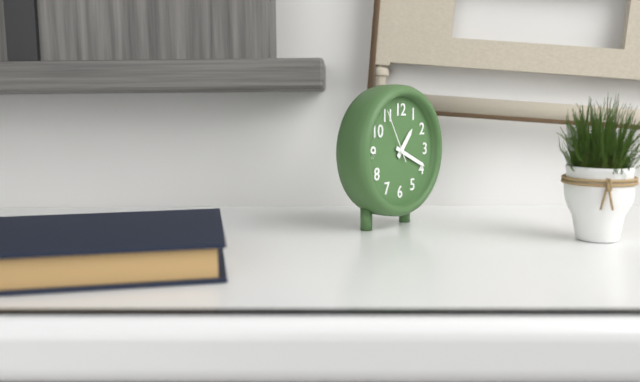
**1:19:55**
